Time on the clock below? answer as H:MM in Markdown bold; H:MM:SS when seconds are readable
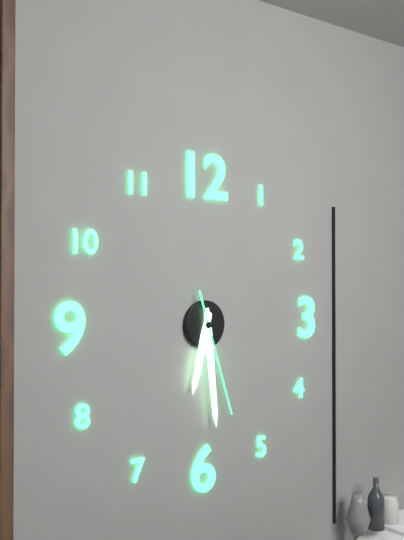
**6:29:27**
